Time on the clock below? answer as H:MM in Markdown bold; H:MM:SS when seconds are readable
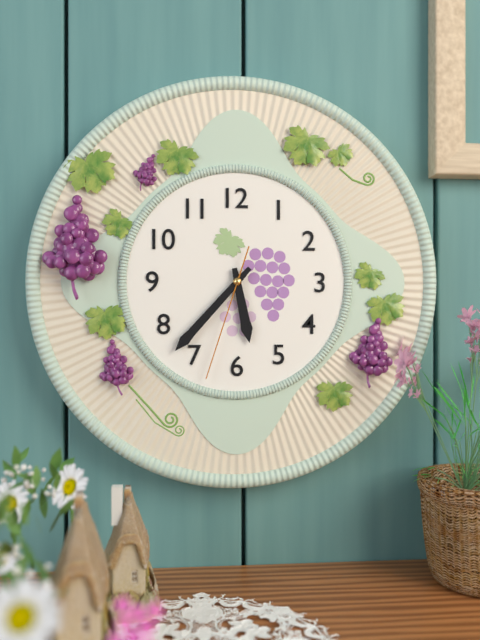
**5:37:33**
